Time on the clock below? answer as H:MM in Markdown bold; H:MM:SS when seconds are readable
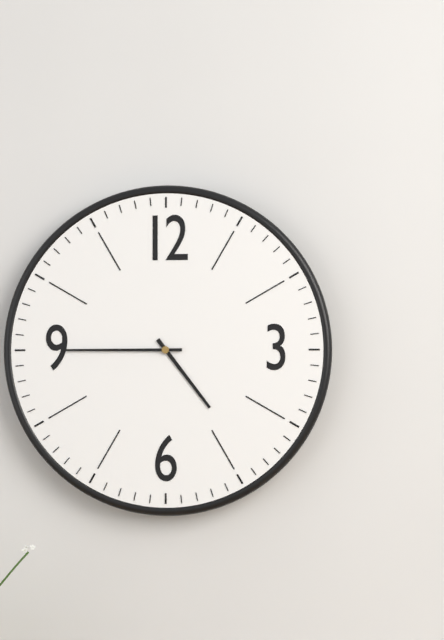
**4:45**
